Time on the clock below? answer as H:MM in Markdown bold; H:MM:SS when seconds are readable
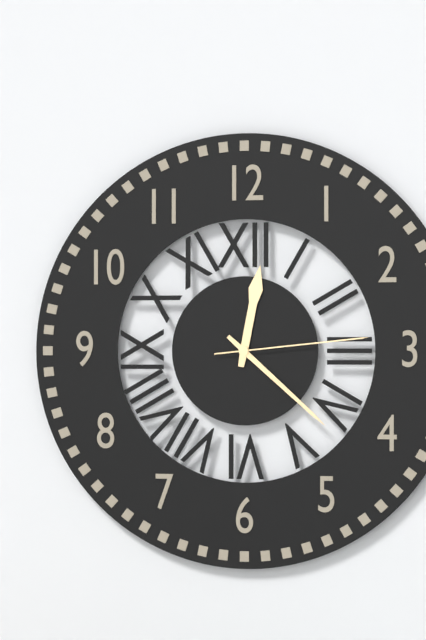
**12:22:14**
